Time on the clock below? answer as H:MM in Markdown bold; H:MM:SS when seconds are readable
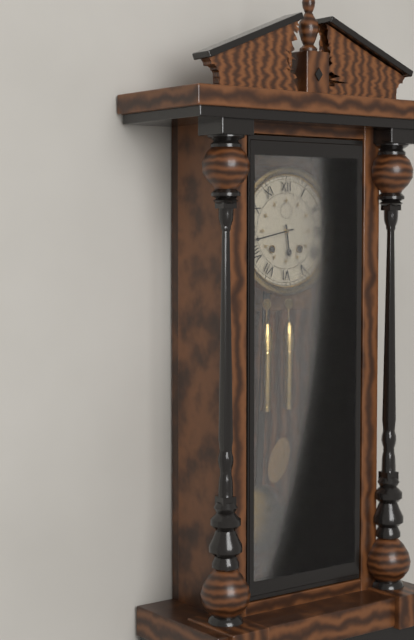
**5:43**
